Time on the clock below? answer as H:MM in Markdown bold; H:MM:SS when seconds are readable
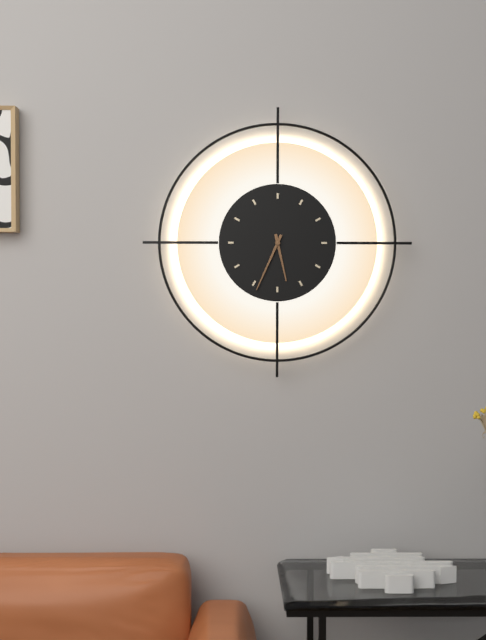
**5:34**
